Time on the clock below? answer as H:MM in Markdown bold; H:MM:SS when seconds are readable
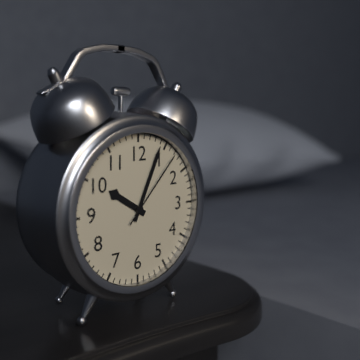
**10:04:07**
